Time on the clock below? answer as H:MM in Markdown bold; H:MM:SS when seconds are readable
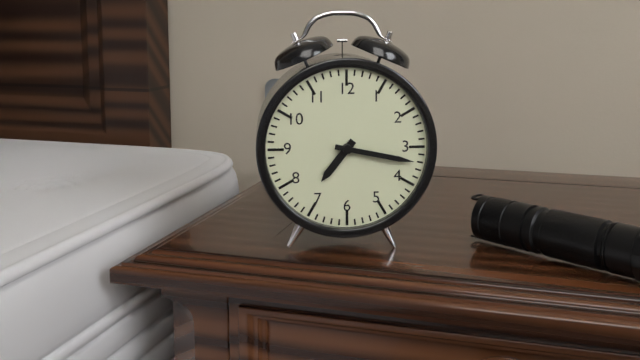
**7:17**
